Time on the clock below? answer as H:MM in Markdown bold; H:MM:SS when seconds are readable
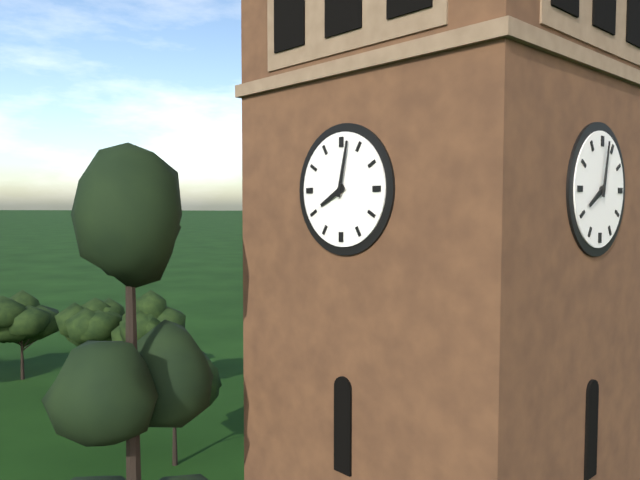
**8:02**
